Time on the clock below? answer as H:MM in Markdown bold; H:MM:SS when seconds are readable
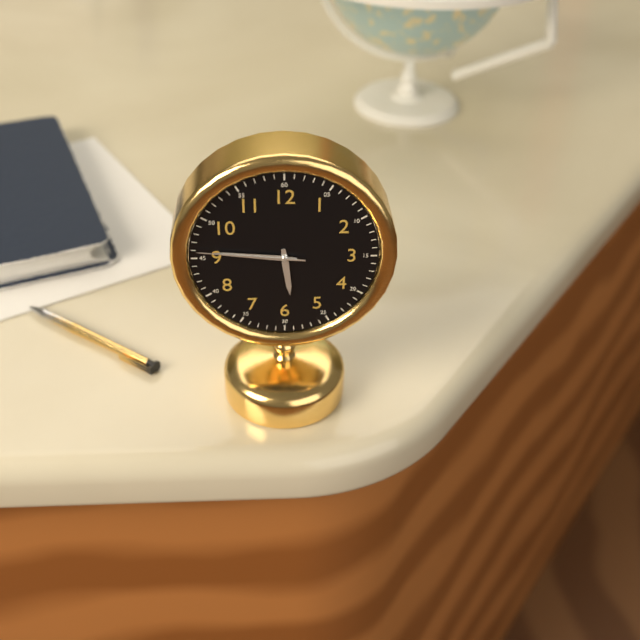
**5:46:46**
